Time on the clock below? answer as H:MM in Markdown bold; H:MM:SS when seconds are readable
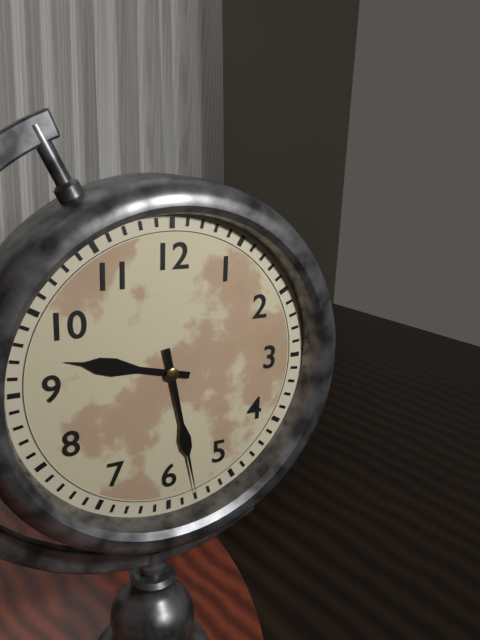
**9:28**
